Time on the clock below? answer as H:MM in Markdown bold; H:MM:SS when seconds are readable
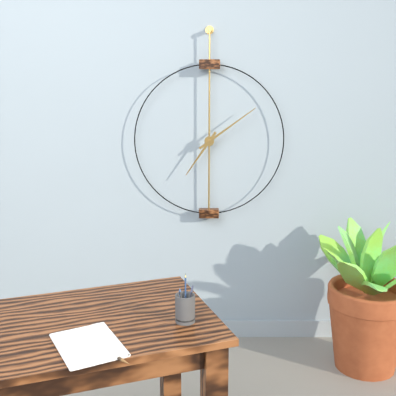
**7:09**
